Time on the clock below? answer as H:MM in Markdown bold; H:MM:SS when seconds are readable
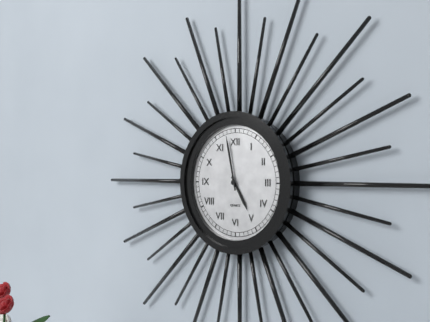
**4:58**
